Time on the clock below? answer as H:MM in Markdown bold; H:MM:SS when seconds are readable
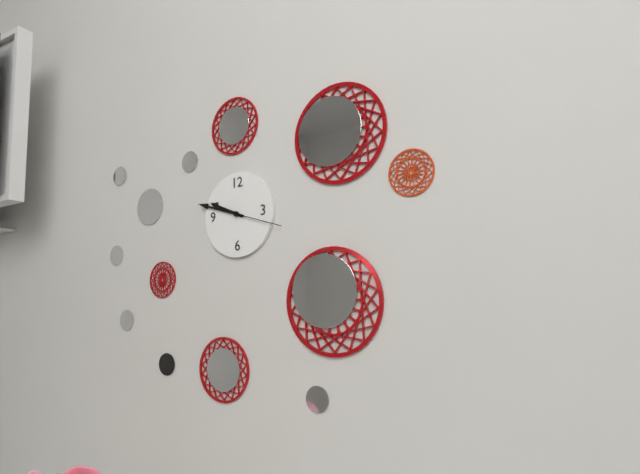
**9:48:18**
